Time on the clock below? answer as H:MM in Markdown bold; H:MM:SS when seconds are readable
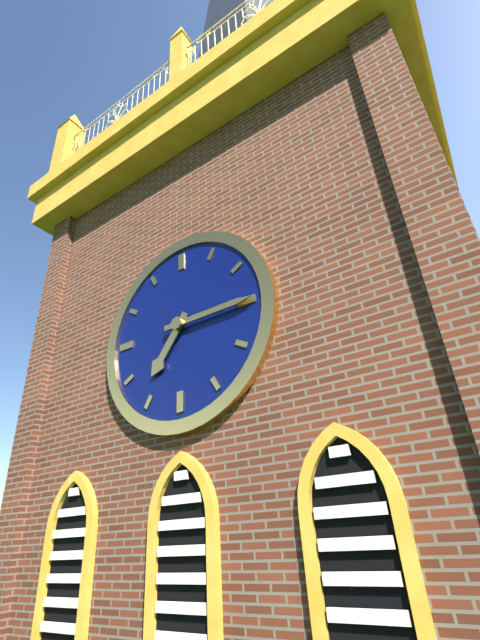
**7:15**
